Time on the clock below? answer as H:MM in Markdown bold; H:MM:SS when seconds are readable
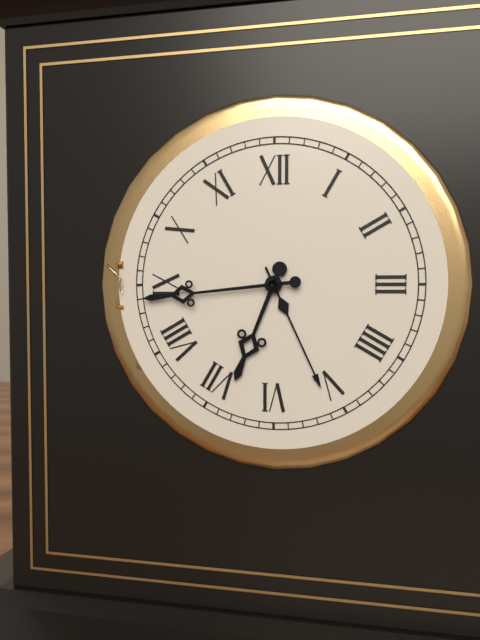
**6:44**
